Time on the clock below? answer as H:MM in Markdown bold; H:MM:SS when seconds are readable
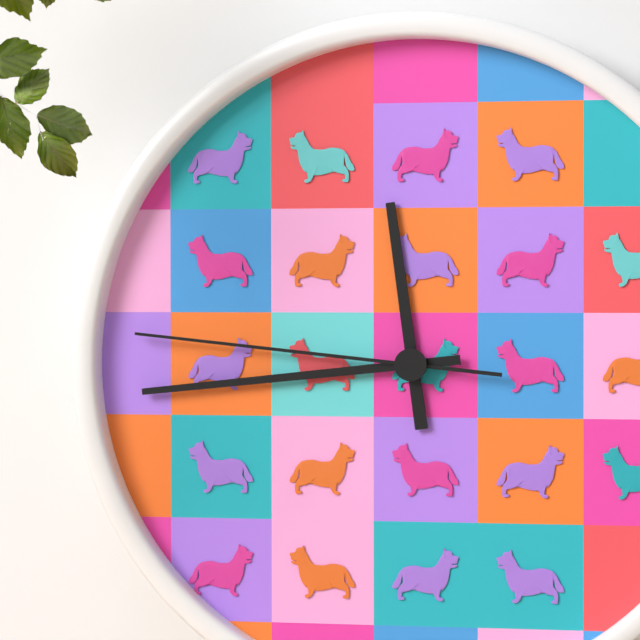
**11:44:46**
